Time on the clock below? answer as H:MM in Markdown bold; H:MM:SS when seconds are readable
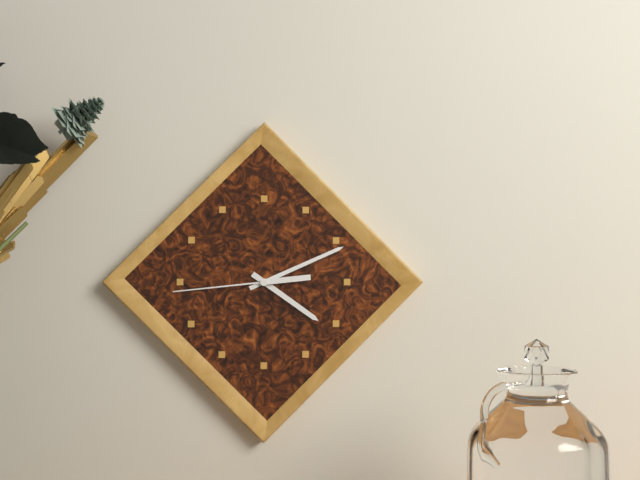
**4:11:44**
